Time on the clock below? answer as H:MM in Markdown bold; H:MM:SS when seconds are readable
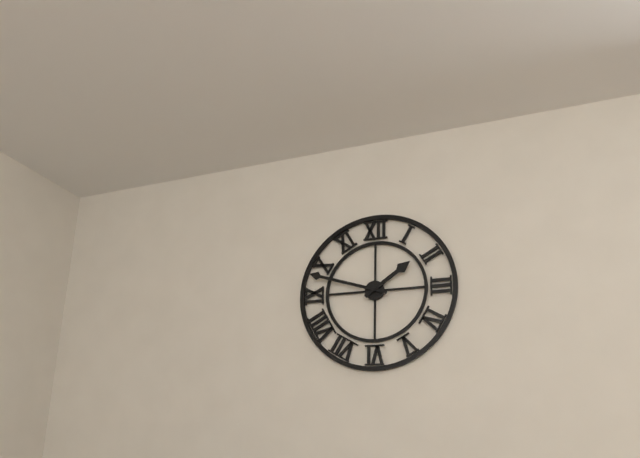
**1:48**
